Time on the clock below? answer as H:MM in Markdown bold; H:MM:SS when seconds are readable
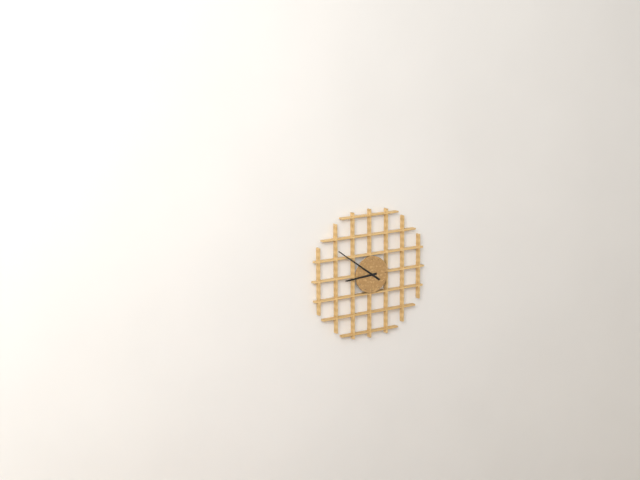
**8:51**
